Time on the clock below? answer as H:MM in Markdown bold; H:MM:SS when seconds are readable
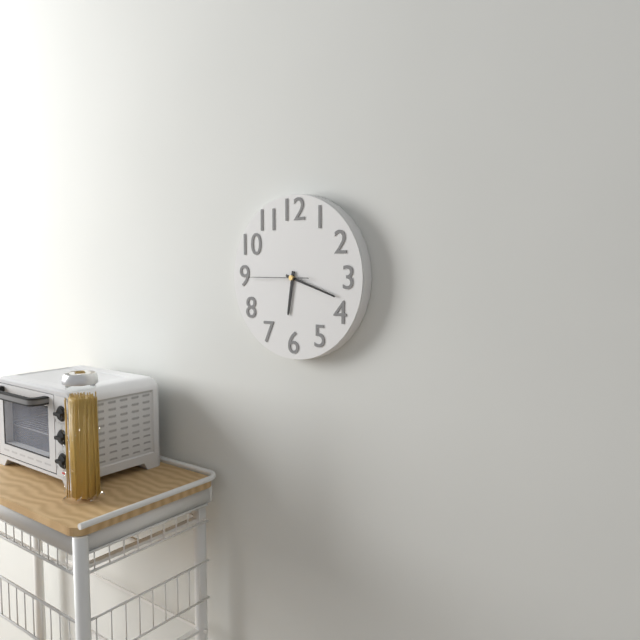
**6:18:45**
